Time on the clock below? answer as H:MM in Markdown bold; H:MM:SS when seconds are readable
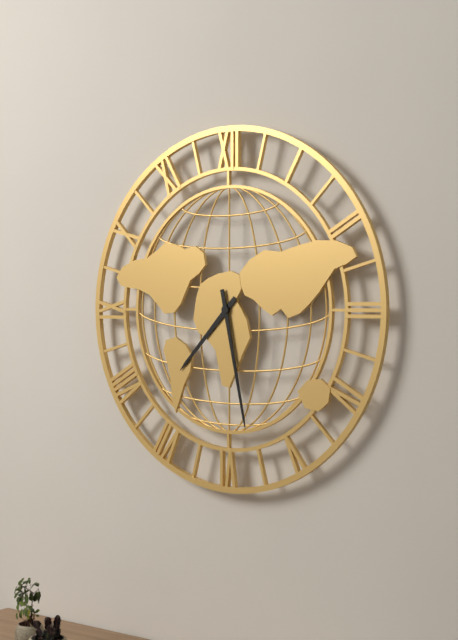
**7:28**
